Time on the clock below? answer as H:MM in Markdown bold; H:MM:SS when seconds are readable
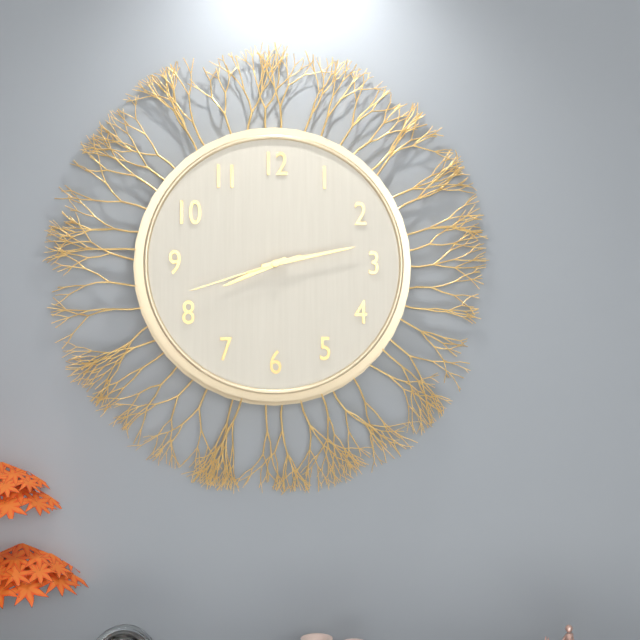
**8:13:42**
